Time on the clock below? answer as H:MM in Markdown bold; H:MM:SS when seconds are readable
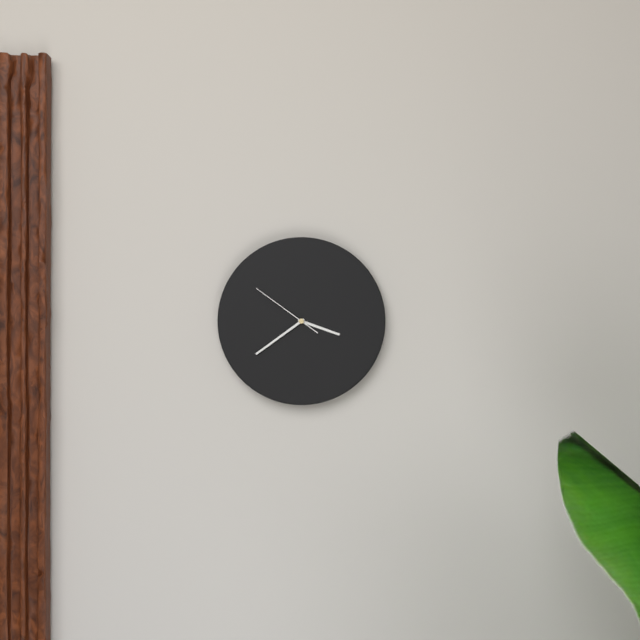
**3:39:51**
